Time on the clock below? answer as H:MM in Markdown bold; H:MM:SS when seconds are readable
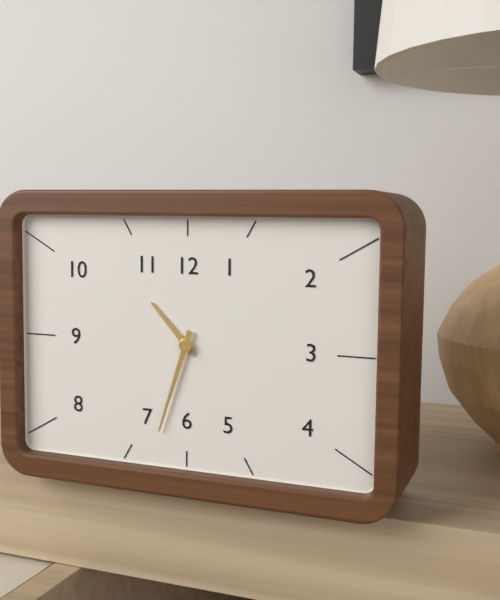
**10:33**
